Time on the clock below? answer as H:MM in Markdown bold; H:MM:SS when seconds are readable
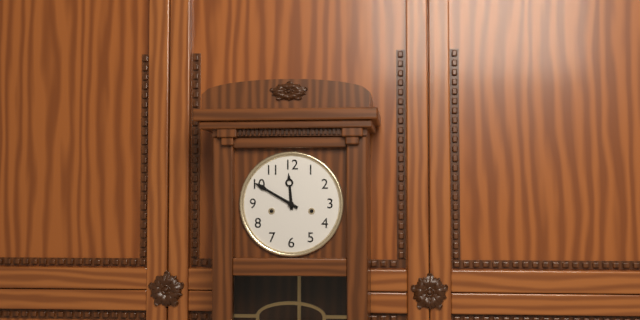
**11:50**
